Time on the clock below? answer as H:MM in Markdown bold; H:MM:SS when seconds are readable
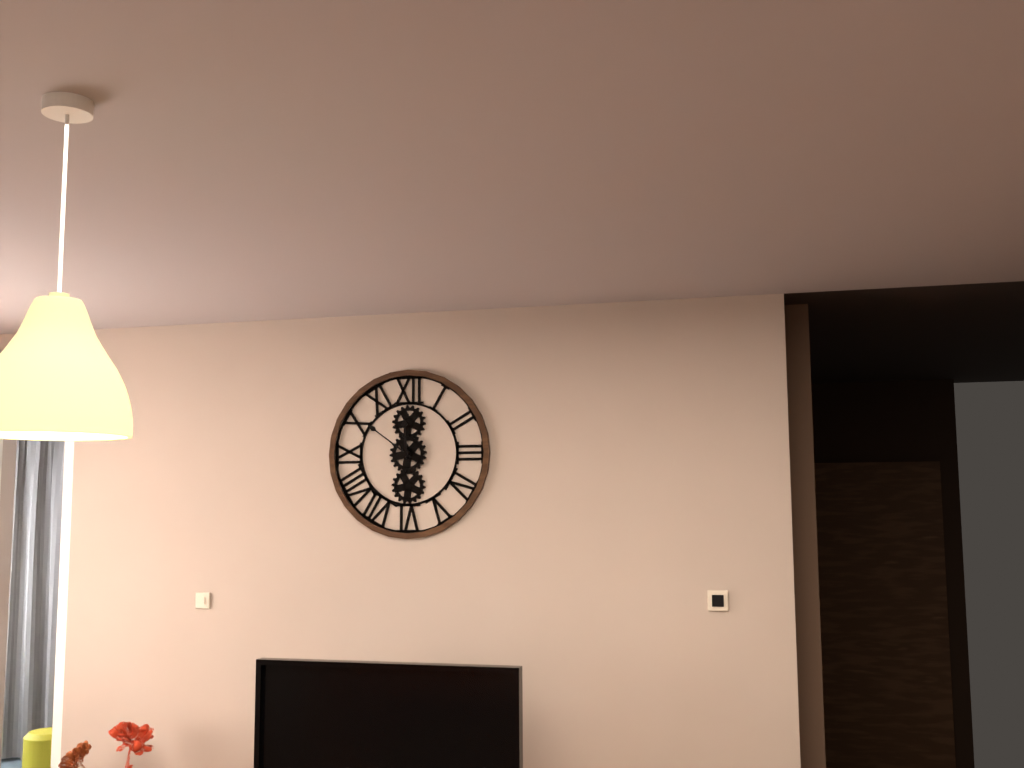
**11:51**
